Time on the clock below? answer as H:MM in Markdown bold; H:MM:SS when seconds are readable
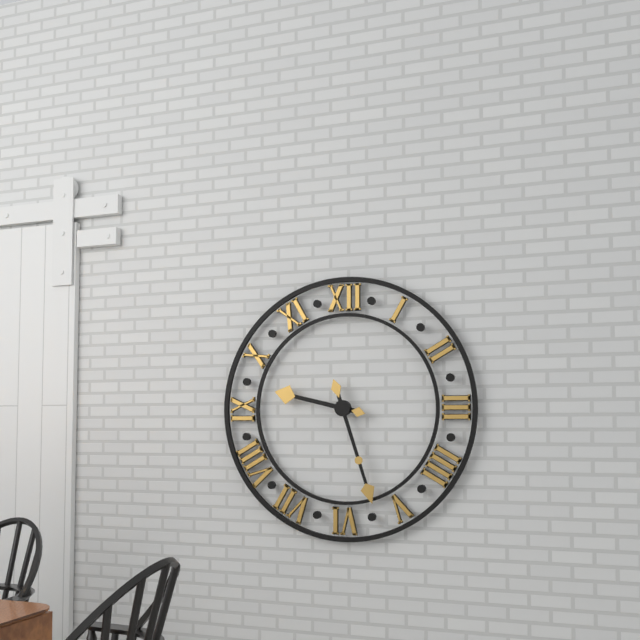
**9:27**
